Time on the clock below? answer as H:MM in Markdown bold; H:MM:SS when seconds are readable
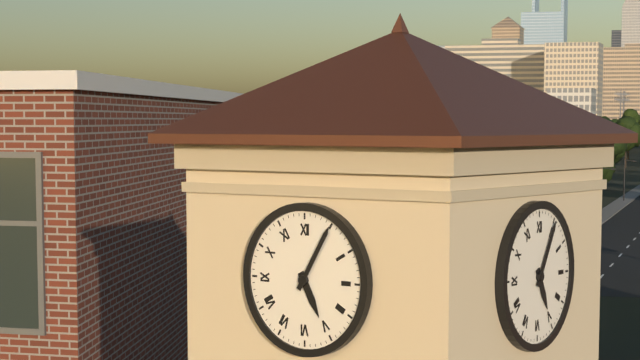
**5:05**
